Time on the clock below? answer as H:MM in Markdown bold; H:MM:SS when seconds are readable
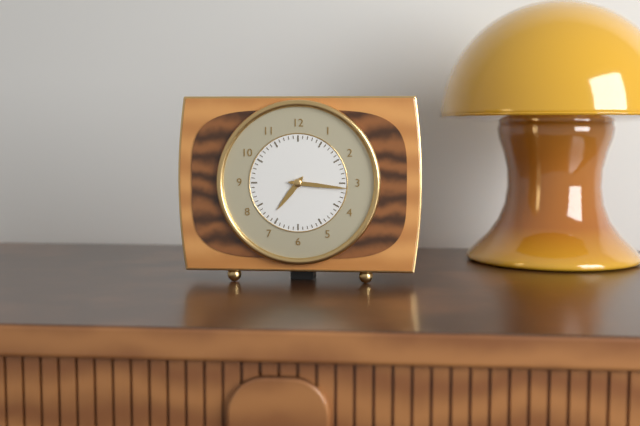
**7:16**
